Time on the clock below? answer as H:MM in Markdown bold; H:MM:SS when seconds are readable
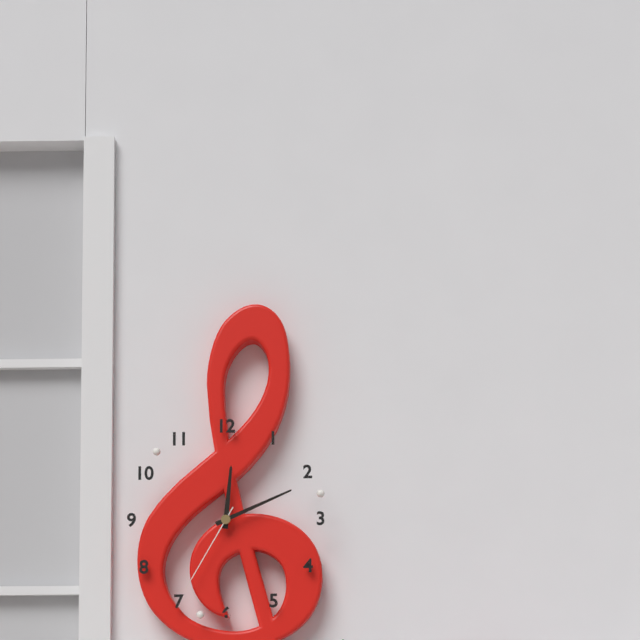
**12:11:35**
